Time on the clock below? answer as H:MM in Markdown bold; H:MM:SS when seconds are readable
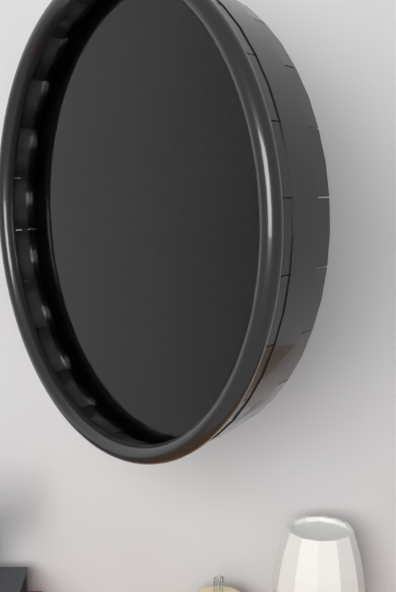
**3:12**
